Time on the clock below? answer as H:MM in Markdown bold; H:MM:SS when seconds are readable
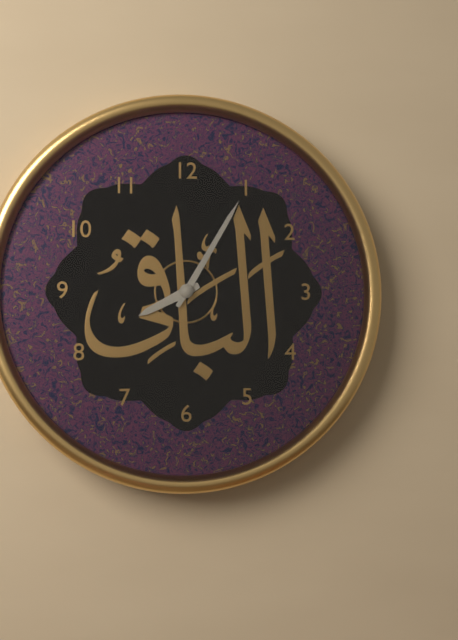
**8:05**
